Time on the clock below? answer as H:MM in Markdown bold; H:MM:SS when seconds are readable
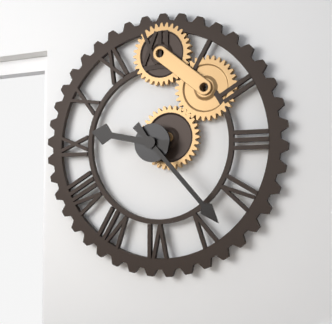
**9:23**
